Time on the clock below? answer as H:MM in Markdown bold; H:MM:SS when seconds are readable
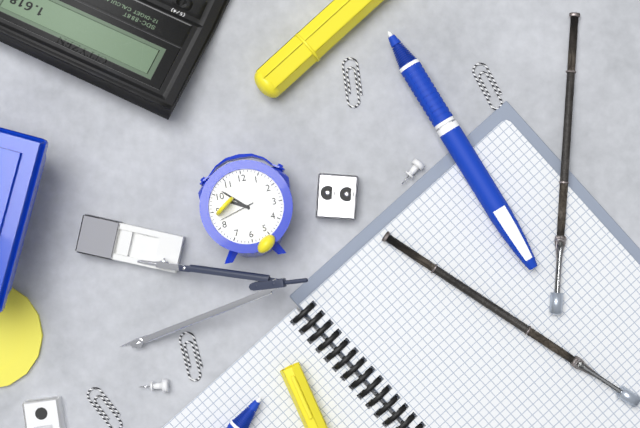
**9:52**
